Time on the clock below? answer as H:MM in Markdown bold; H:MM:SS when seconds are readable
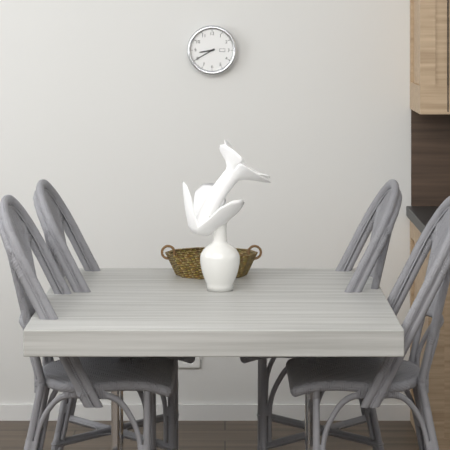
**8:40**
